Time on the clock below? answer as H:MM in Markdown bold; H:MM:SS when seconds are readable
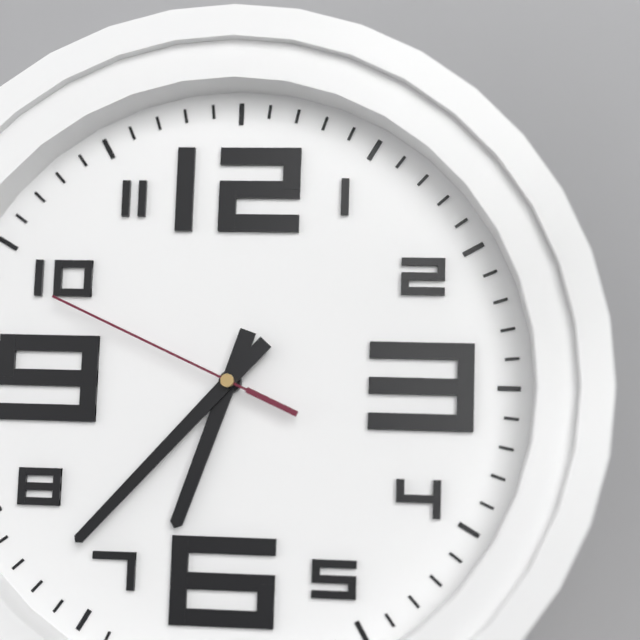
**6:37:49**
